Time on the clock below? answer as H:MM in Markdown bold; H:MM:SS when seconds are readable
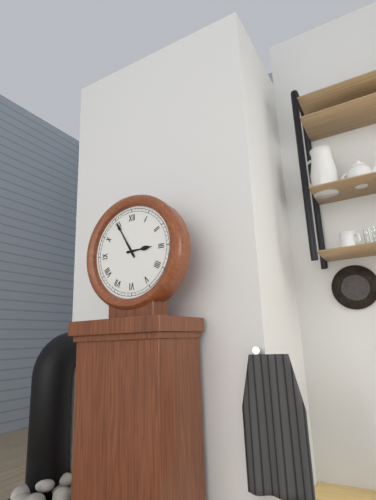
**2:55**
